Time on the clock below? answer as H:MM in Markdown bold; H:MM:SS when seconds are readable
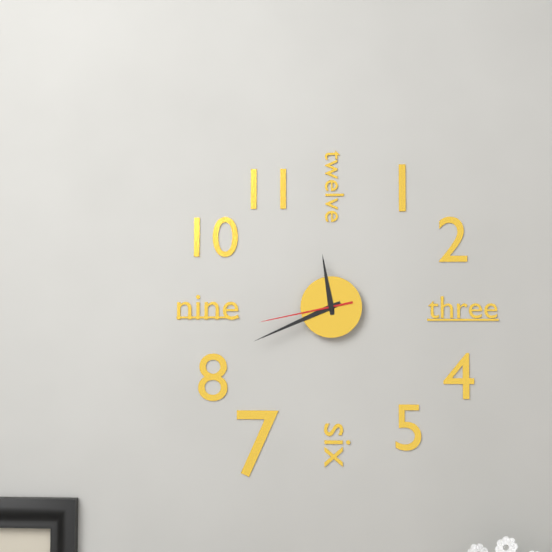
**11:41:43**
